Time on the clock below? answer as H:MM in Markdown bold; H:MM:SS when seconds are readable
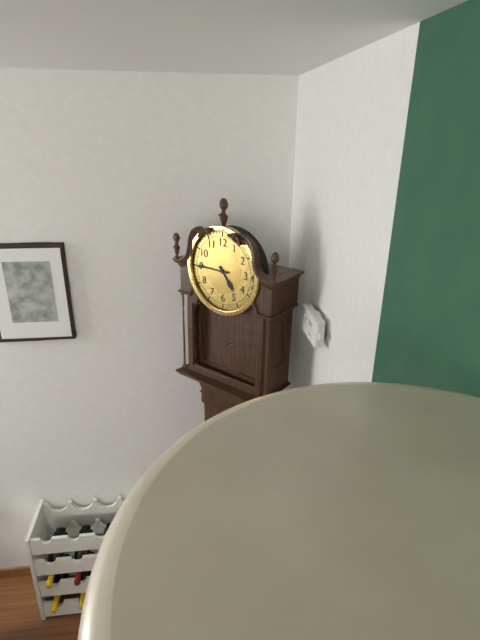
**4:45**
